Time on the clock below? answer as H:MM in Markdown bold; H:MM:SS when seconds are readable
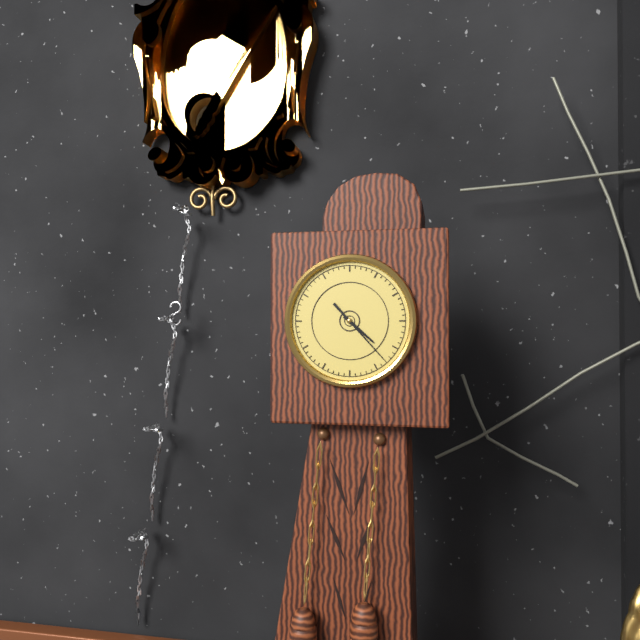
**4:23**
